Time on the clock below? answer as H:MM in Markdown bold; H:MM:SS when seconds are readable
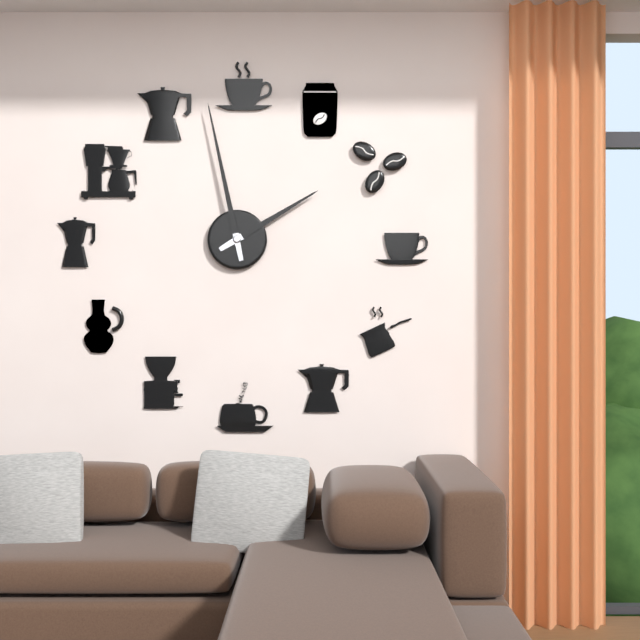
**1:58**
